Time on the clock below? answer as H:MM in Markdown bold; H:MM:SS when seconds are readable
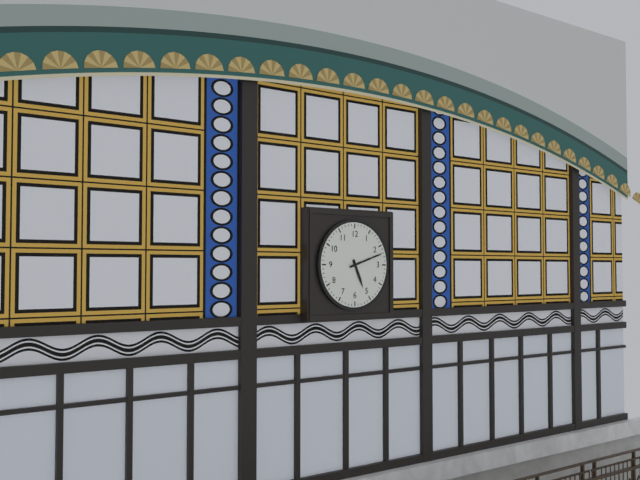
**5:12**
